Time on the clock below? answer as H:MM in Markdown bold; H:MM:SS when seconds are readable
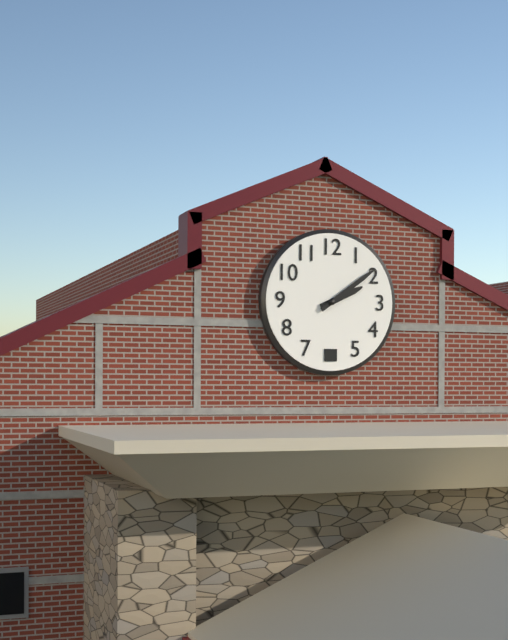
**2:09**
